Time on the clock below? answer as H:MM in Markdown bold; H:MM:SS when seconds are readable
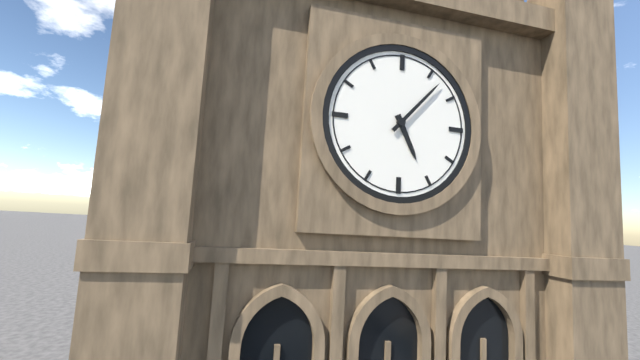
**5:07**
